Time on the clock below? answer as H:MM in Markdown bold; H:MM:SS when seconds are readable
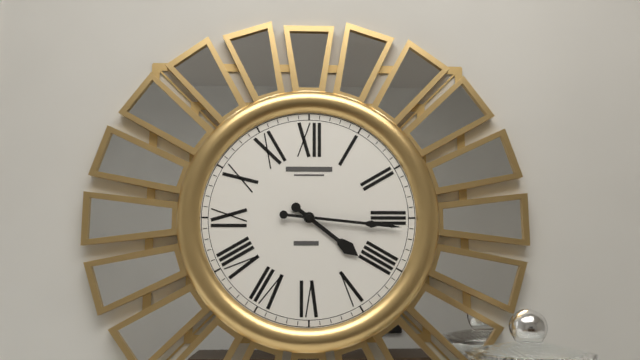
**4:16**
